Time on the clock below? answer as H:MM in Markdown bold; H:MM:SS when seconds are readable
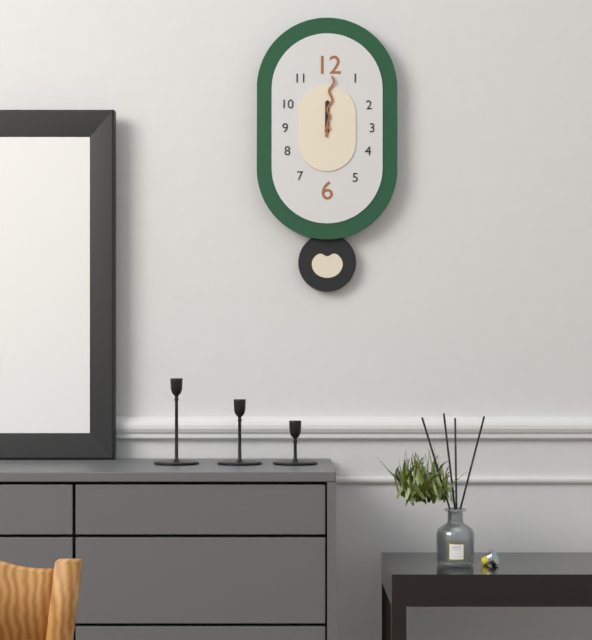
**12:01**
